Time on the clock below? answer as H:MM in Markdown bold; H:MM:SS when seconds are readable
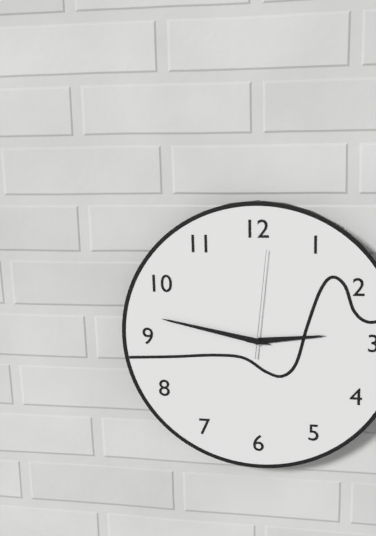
**2:47:01**
